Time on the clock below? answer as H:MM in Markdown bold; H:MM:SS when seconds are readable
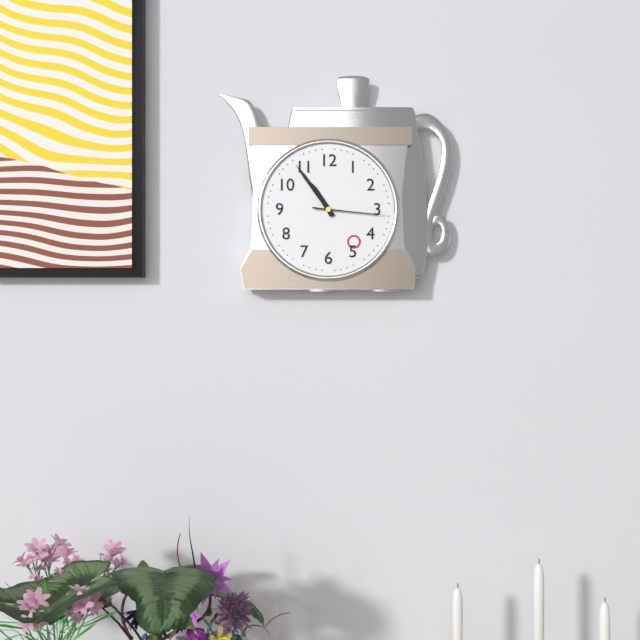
**10:54:16**
